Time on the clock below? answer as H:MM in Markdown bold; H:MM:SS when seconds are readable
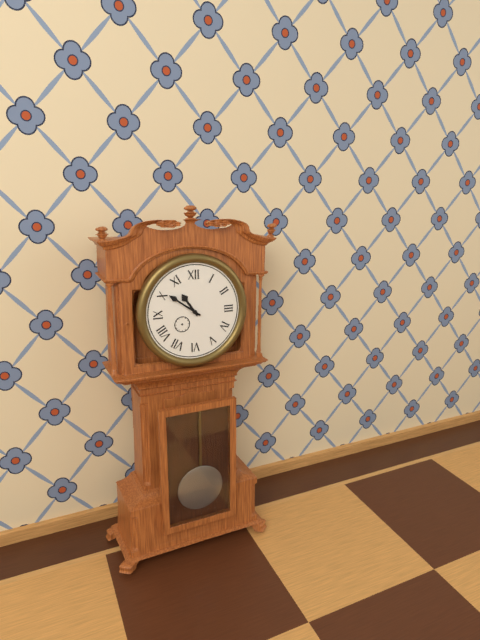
**10:51**
